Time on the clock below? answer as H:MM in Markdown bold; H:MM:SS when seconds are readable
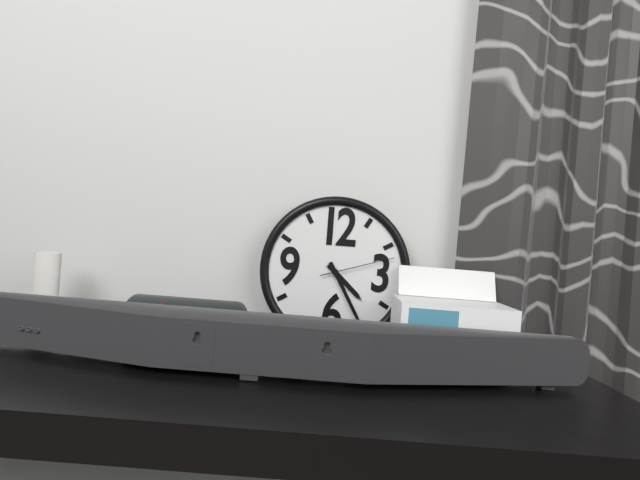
**4:25:12**
